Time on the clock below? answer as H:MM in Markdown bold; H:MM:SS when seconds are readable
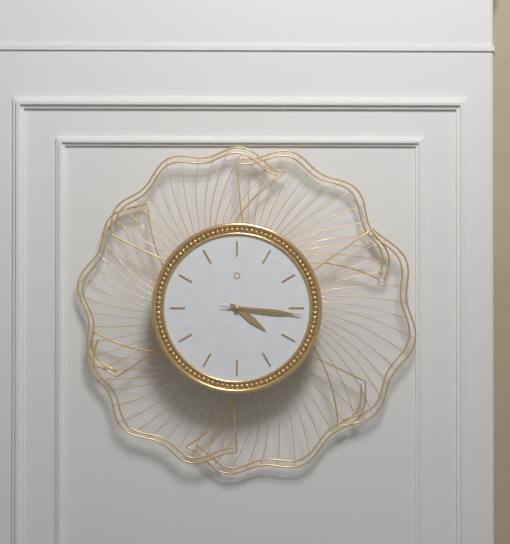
**4:16:16**
